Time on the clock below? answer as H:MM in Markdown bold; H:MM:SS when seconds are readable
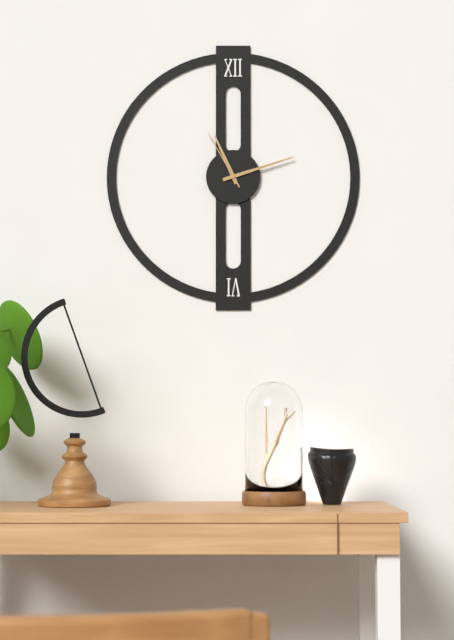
**11:12:55**
